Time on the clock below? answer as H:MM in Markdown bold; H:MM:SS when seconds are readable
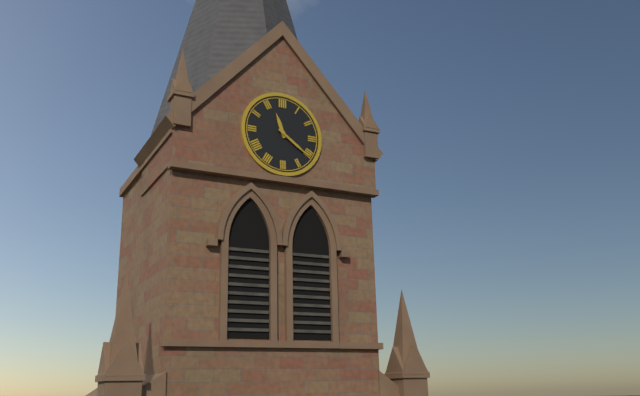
**11:21**
